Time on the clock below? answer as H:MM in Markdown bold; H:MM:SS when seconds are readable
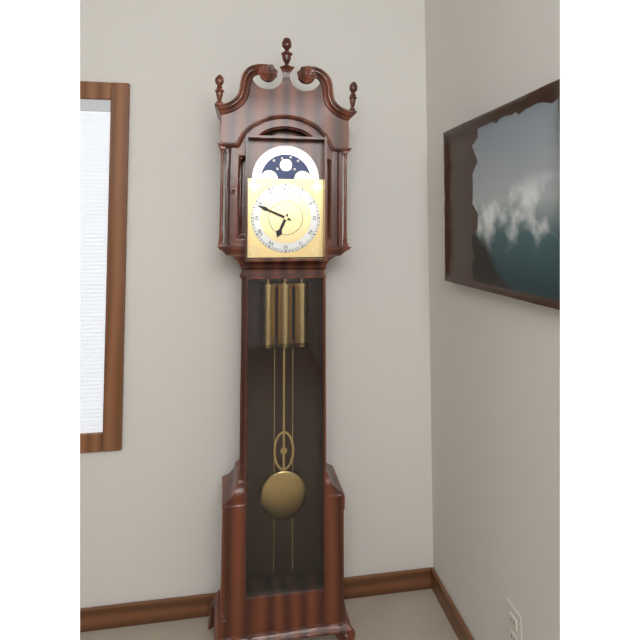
**6:49**
